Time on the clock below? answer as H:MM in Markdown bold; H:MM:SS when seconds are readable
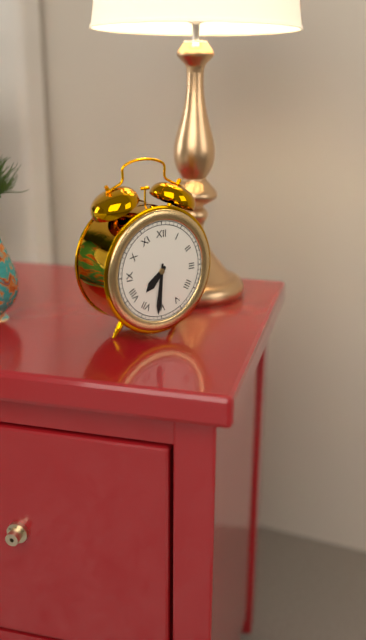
**7:31**
